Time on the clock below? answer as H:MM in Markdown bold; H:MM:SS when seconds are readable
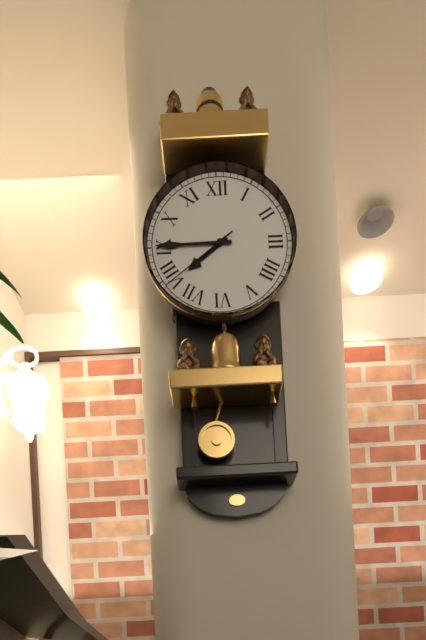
**7:45:39**
